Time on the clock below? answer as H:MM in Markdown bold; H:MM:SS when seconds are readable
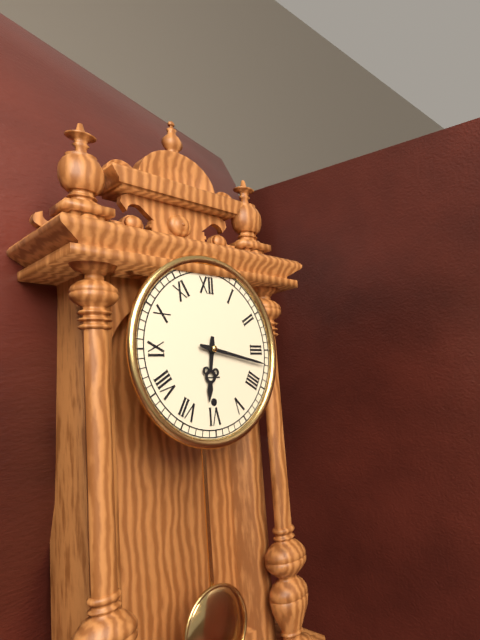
**6:17**
